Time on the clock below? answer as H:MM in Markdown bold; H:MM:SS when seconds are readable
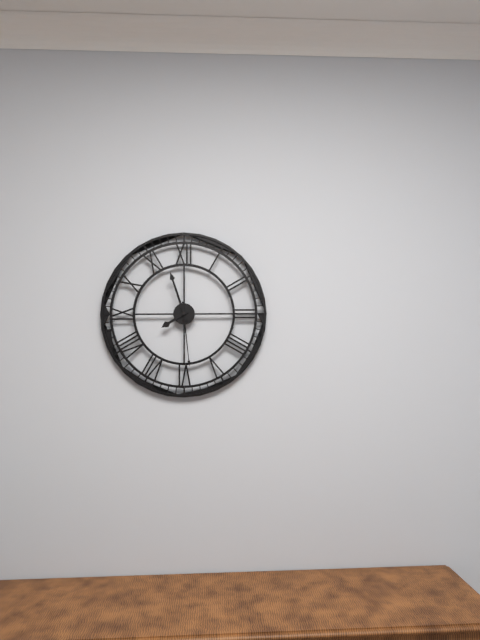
**7:57:29**
